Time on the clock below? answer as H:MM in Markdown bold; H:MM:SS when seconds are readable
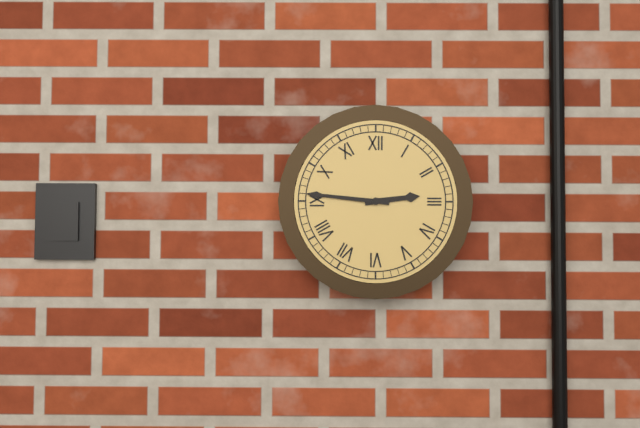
**2:46**
